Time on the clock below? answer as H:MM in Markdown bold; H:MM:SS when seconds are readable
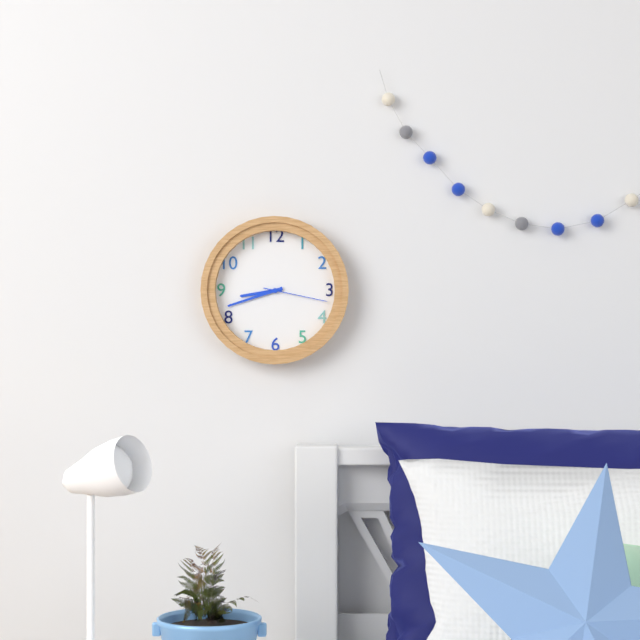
**8:42:17**
